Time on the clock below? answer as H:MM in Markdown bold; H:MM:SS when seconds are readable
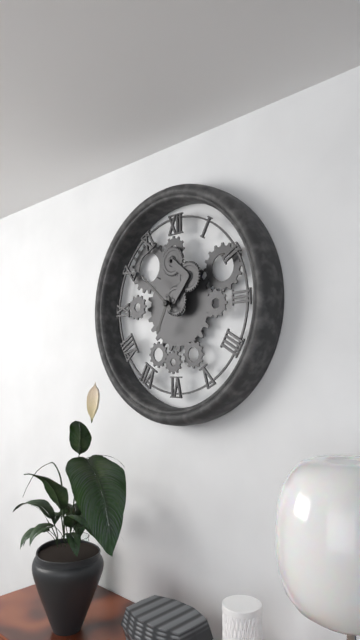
**6:52**
